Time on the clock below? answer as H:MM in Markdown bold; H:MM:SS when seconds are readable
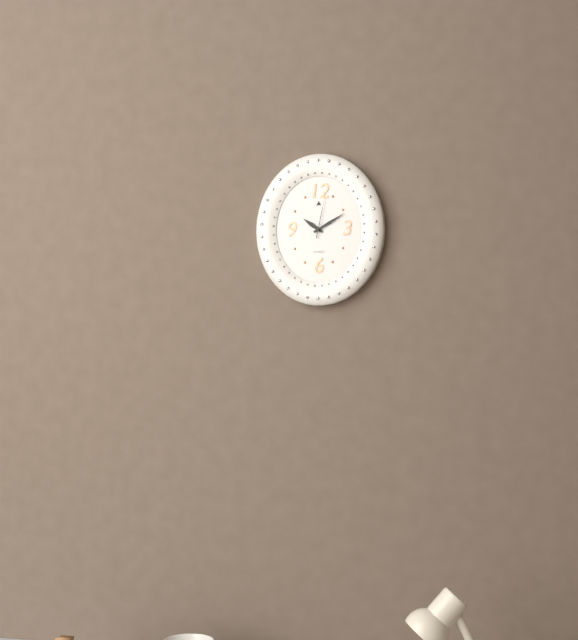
**10:10**
